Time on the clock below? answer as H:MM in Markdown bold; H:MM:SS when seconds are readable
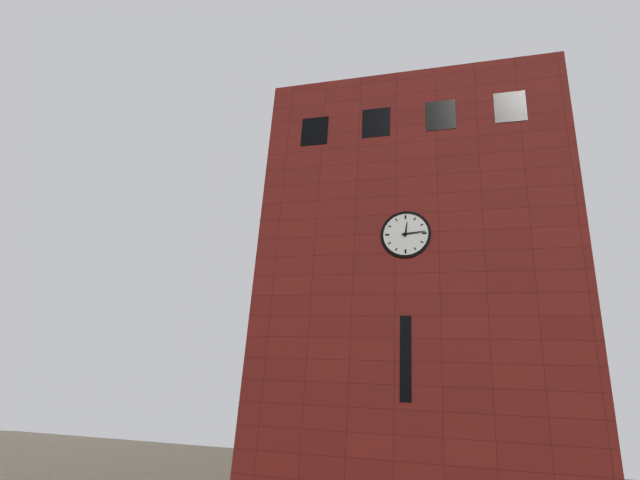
**12:14**
